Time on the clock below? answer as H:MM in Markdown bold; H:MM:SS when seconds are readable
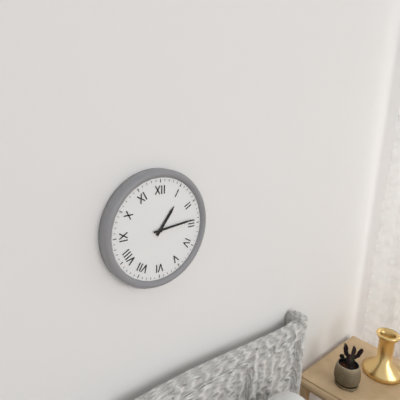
**1:14**
